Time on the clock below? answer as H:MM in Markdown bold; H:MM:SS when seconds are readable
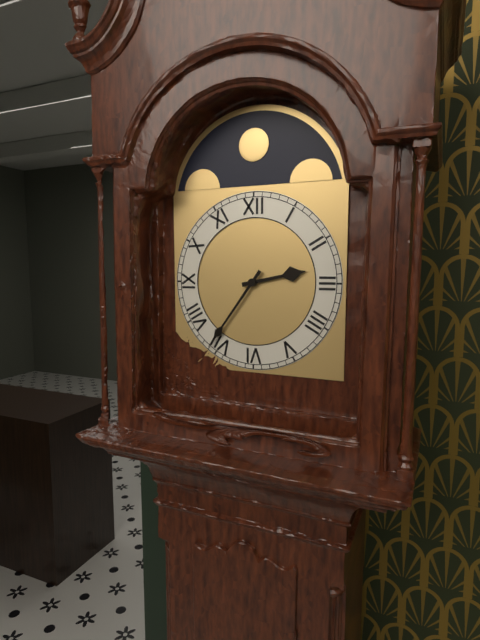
**2:36**
